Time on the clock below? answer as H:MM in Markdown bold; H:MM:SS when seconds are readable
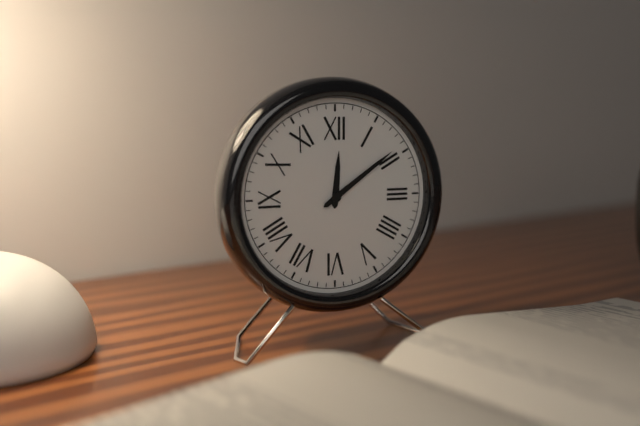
**12:09**
